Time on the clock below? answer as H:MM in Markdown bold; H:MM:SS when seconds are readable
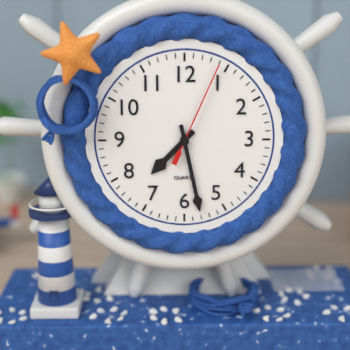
**7:28:04**
